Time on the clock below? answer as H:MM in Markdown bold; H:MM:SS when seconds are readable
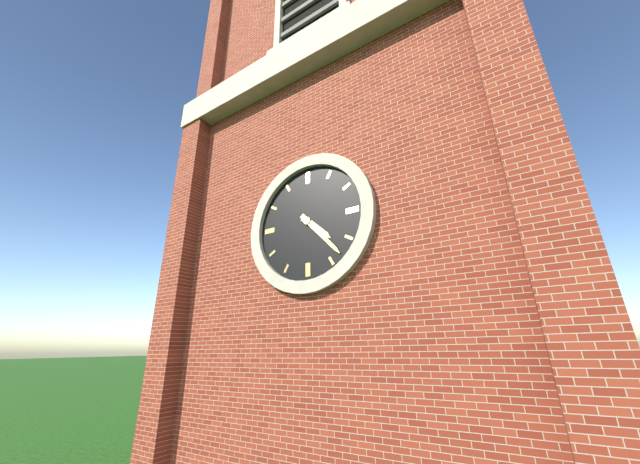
**4:23**
